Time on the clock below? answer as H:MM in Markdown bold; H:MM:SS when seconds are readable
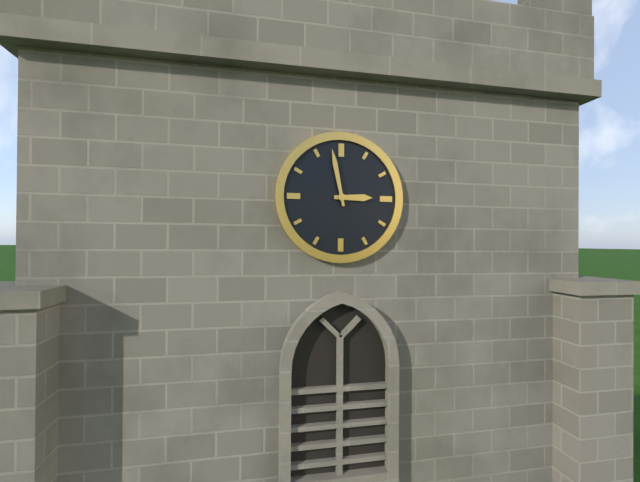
**2:58**
